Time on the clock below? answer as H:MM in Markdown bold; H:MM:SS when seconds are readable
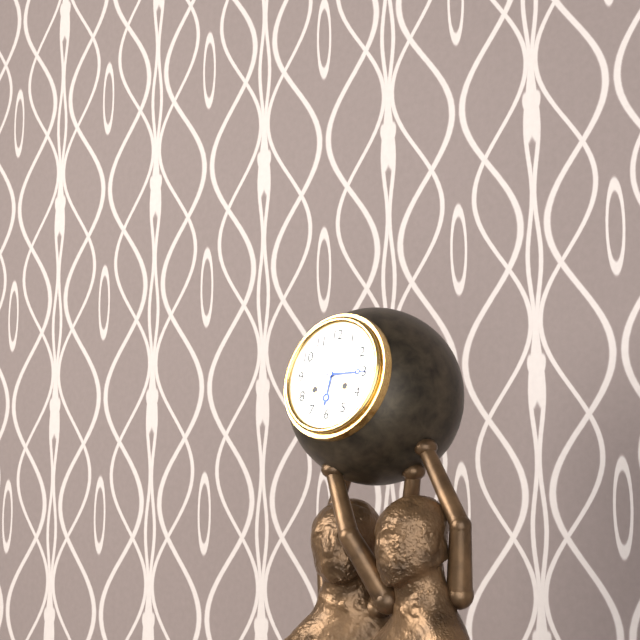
**6:15**
